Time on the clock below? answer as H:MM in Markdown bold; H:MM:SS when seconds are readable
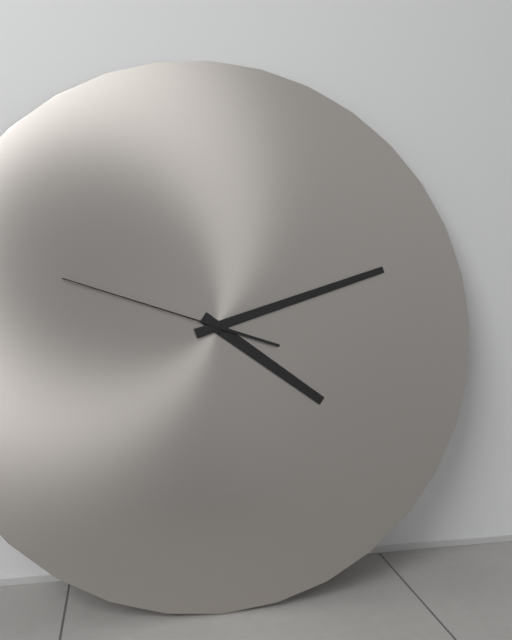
**4:12:48**
